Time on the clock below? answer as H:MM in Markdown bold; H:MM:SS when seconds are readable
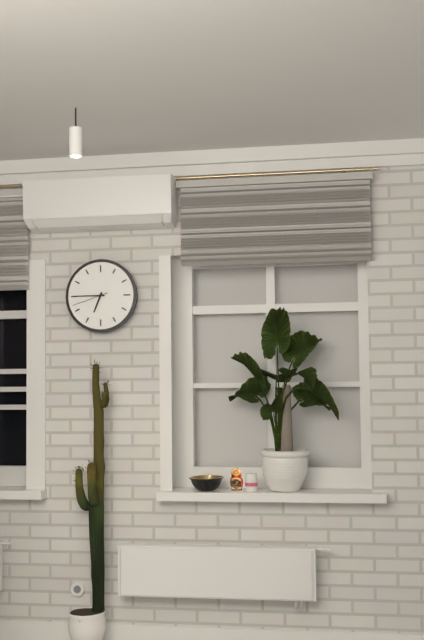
**6:45**
